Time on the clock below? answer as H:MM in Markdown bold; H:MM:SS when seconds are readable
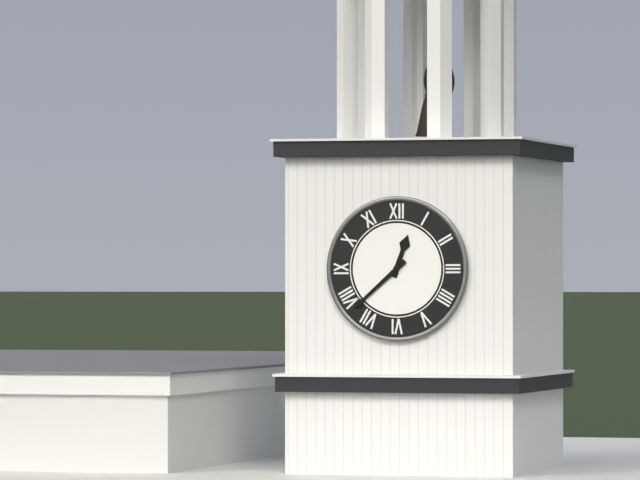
**12:38**
